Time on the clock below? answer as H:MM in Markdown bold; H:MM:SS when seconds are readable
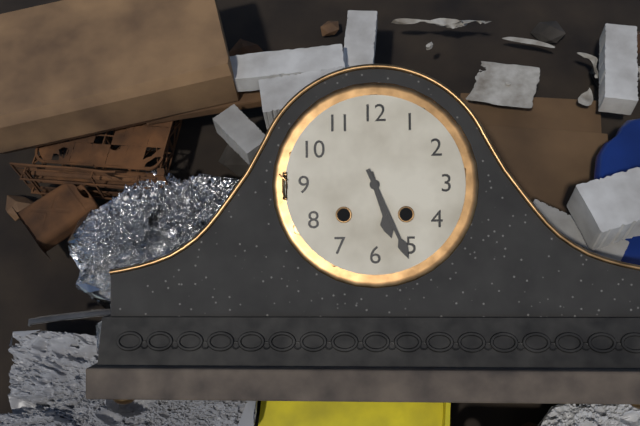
**5:26**
